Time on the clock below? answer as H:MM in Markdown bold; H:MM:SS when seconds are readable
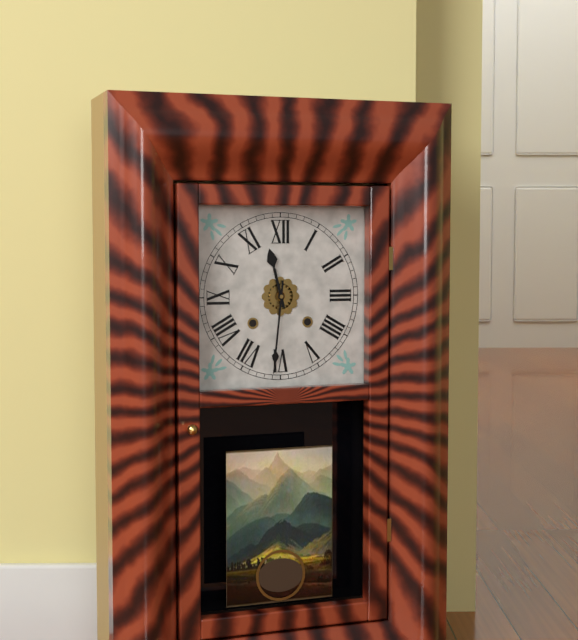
**11:31**
